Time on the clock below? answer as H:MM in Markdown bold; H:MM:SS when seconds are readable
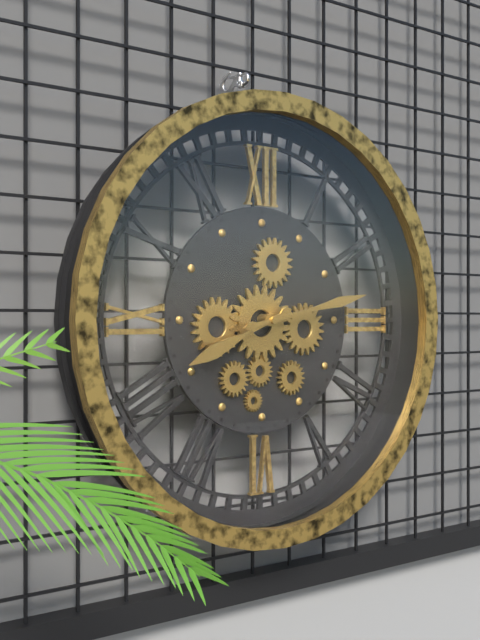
**8:13**
